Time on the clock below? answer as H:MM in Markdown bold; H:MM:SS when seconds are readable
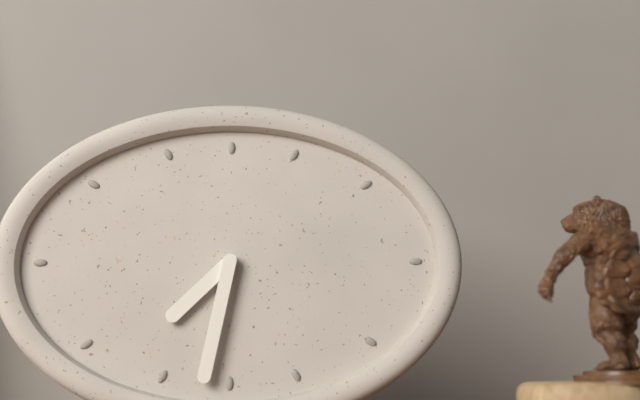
**7:32**
